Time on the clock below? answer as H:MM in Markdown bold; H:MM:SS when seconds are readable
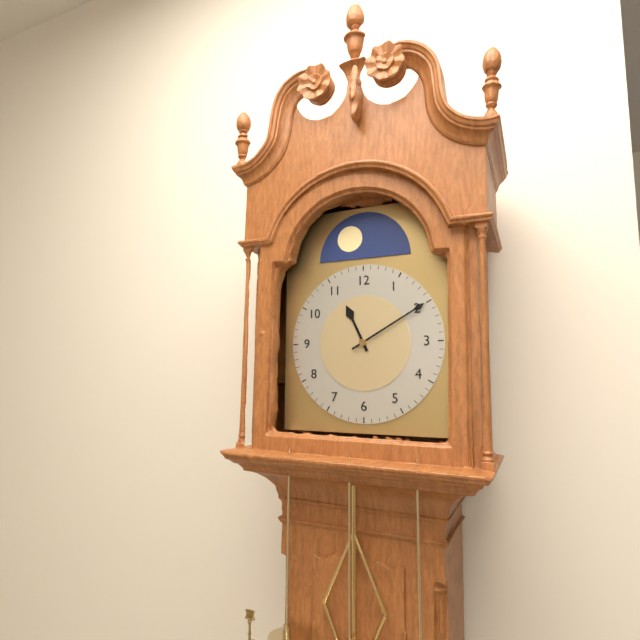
**11:10**
